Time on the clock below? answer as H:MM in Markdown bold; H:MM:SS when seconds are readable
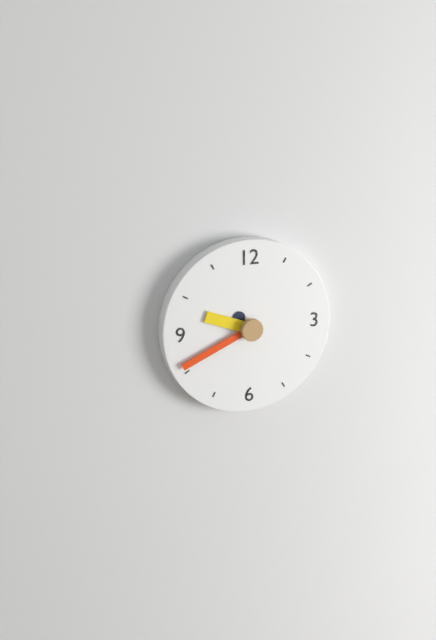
**9:41**
